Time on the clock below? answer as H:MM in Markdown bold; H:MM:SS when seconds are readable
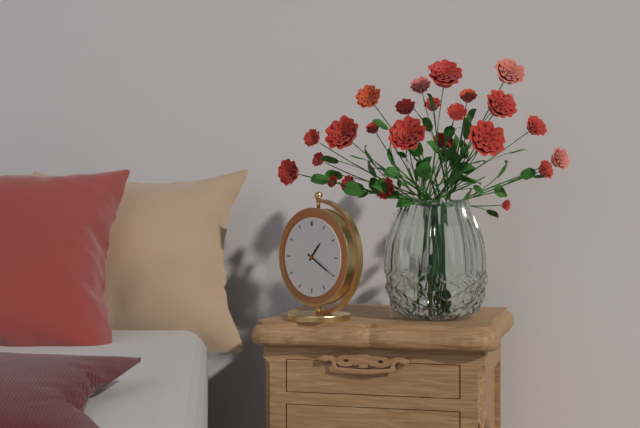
**1:20**
